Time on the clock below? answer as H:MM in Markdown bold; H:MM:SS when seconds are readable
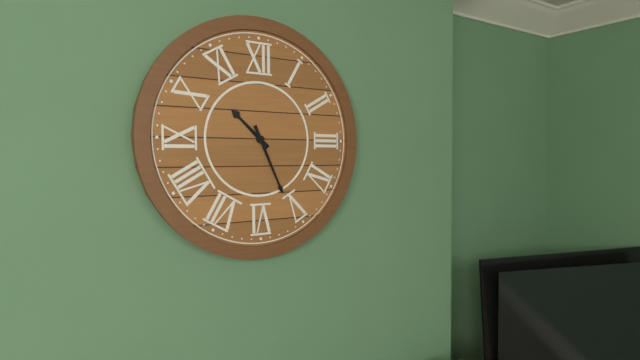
**10:26**
